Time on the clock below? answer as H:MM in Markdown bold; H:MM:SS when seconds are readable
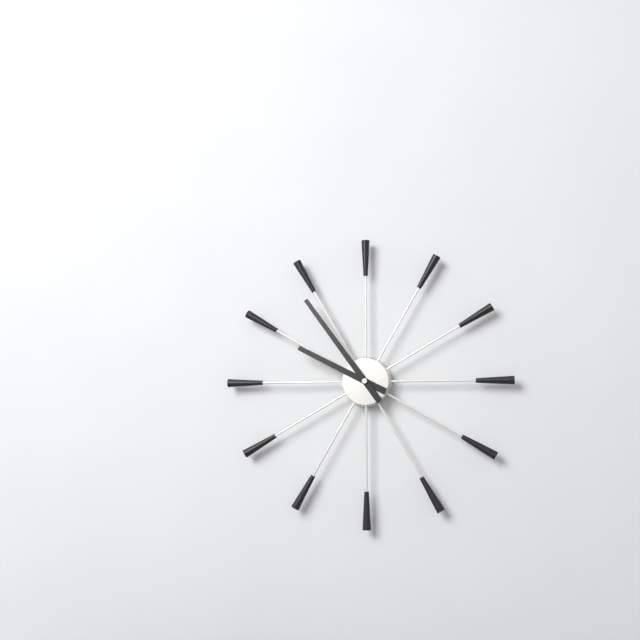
**9:54**
